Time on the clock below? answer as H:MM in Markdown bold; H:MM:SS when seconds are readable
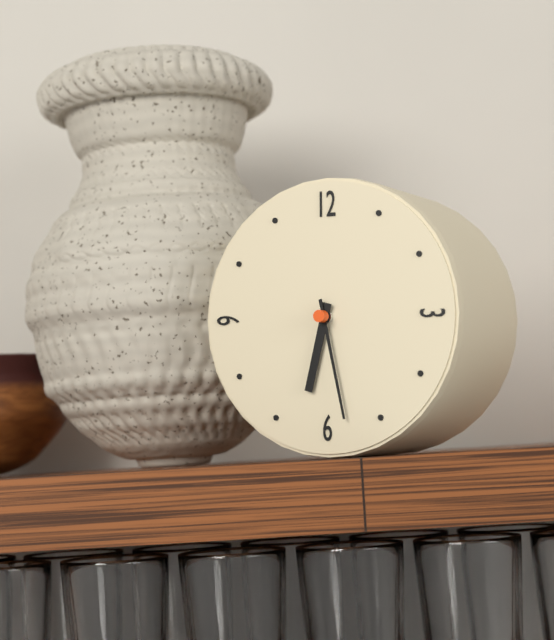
**6:28**
